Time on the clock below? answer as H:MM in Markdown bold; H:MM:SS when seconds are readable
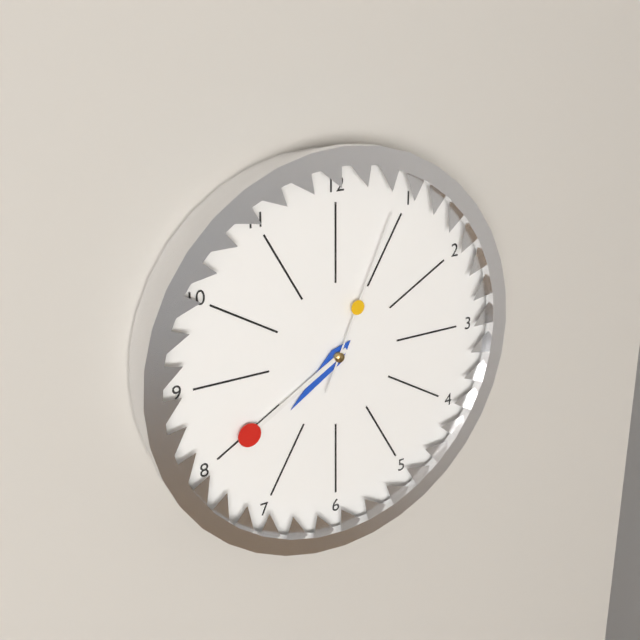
**7:40:04**
